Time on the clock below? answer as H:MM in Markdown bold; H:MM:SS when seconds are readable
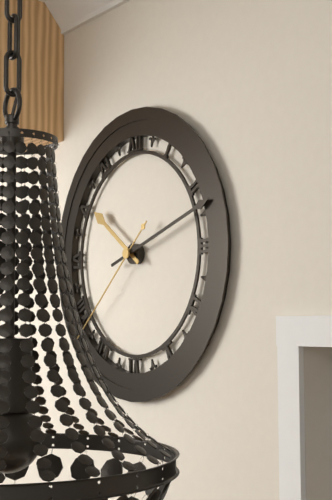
**10:12:38**
